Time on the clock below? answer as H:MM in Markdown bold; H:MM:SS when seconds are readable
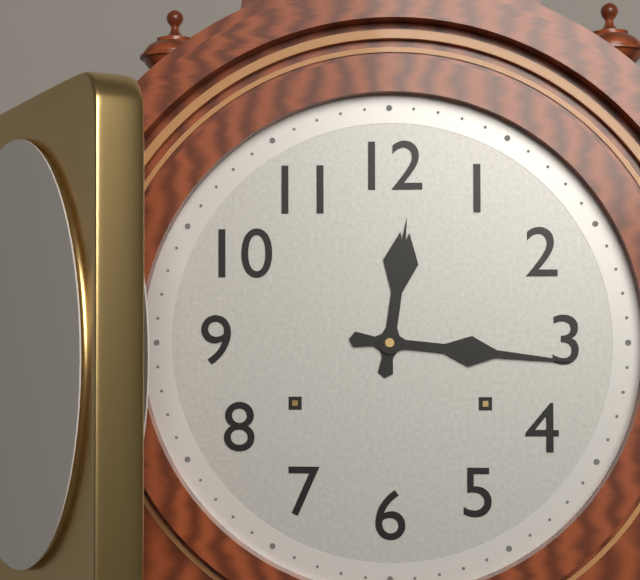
**12:16**
